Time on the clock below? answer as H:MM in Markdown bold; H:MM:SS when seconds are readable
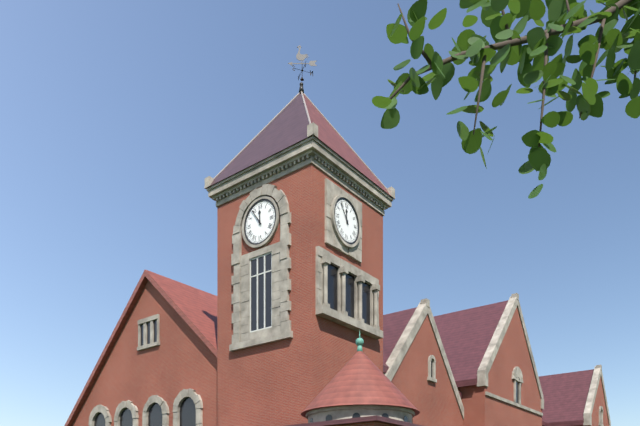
**11:54**
